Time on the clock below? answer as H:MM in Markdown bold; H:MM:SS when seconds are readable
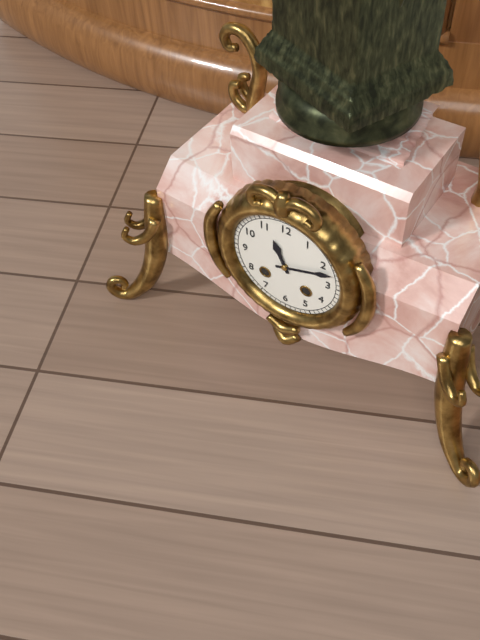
**11:12**
